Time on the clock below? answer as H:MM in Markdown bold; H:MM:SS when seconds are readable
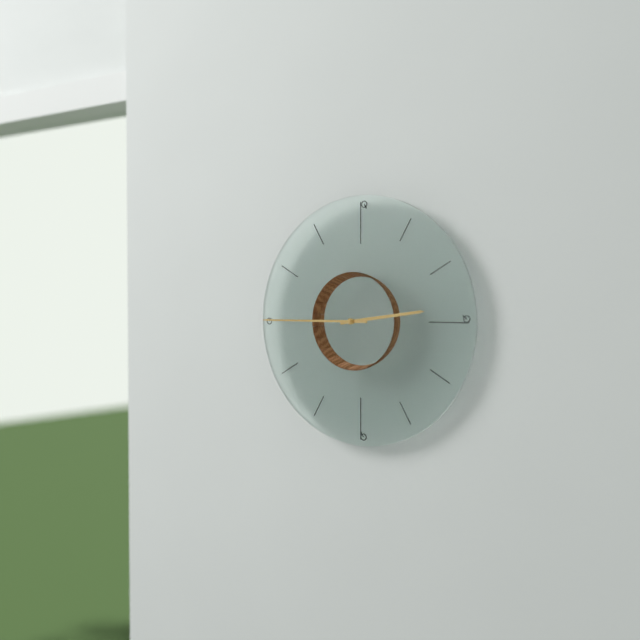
**2:45**
